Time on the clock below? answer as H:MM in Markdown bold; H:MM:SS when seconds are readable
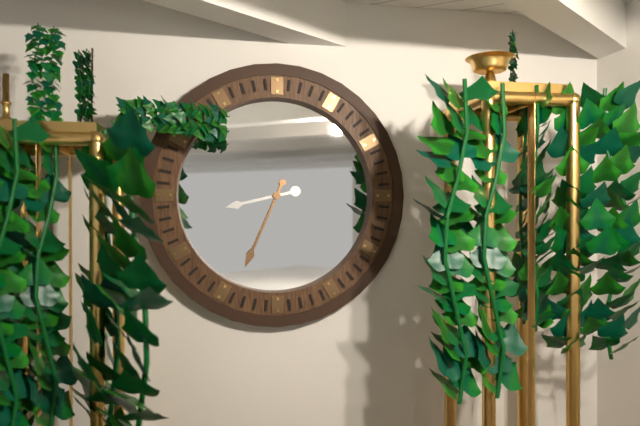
**8:34**
